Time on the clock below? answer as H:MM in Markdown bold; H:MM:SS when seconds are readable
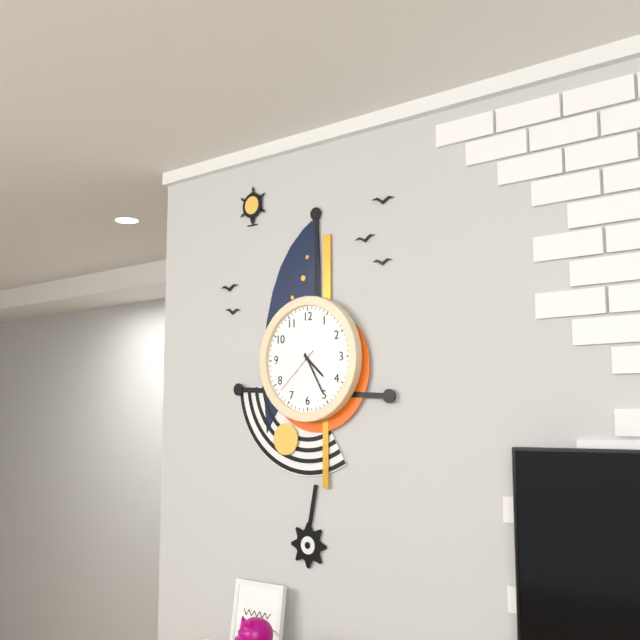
**4:25:38**
